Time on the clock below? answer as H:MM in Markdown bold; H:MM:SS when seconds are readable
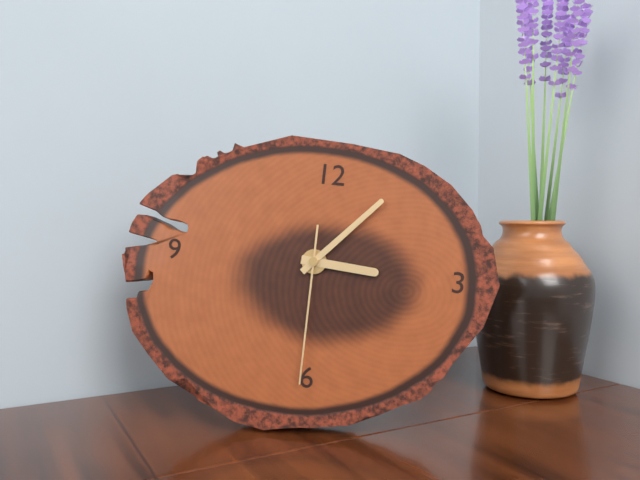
**3:07:30**
